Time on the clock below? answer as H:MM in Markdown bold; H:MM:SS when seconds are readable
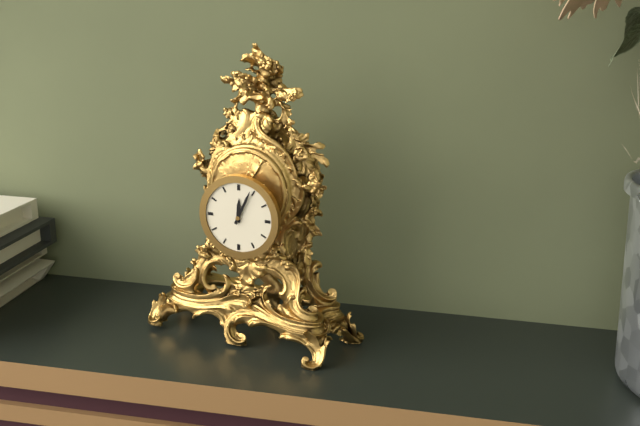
**12:04**
